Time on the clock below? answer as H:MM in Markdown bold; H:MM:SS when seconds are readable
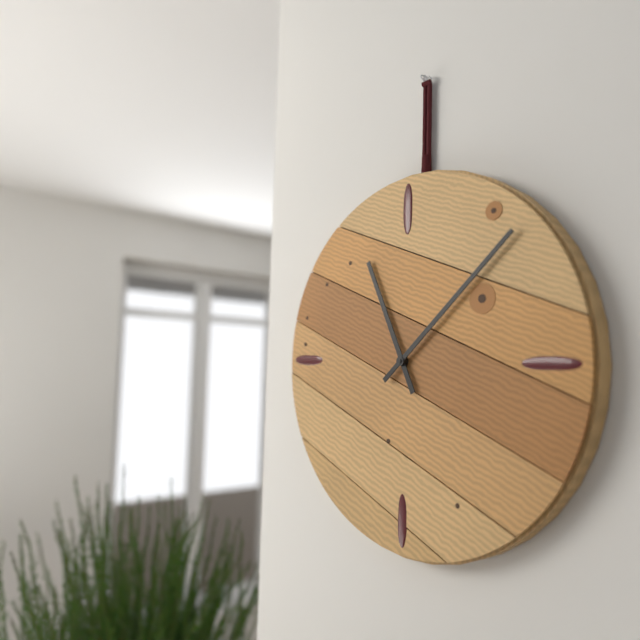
**11:08**
